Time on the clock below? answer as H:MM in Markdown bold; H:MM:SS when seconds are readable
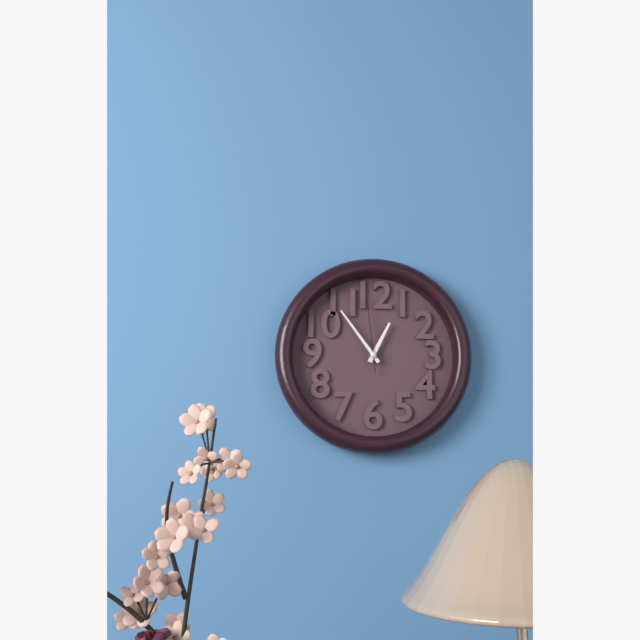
**12:54:59**
